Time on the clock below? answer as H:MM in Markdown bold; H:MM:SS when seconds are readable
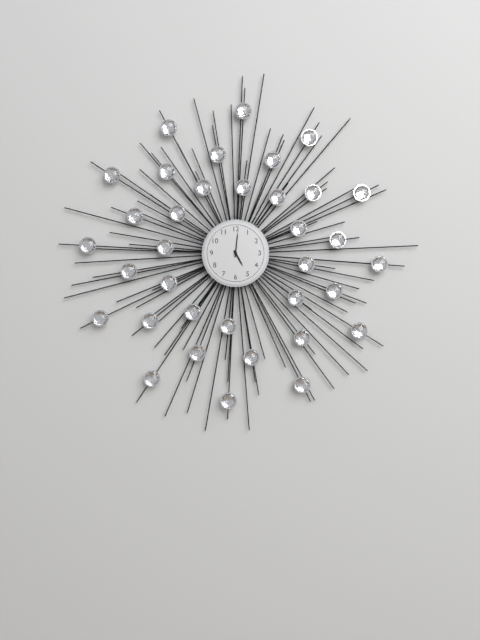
**5:01**
